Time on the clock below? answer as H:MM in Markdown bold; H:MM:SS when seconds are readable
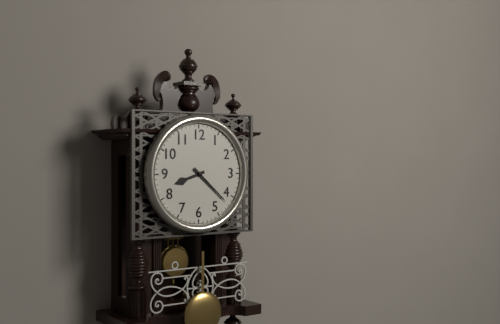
**8:22**
